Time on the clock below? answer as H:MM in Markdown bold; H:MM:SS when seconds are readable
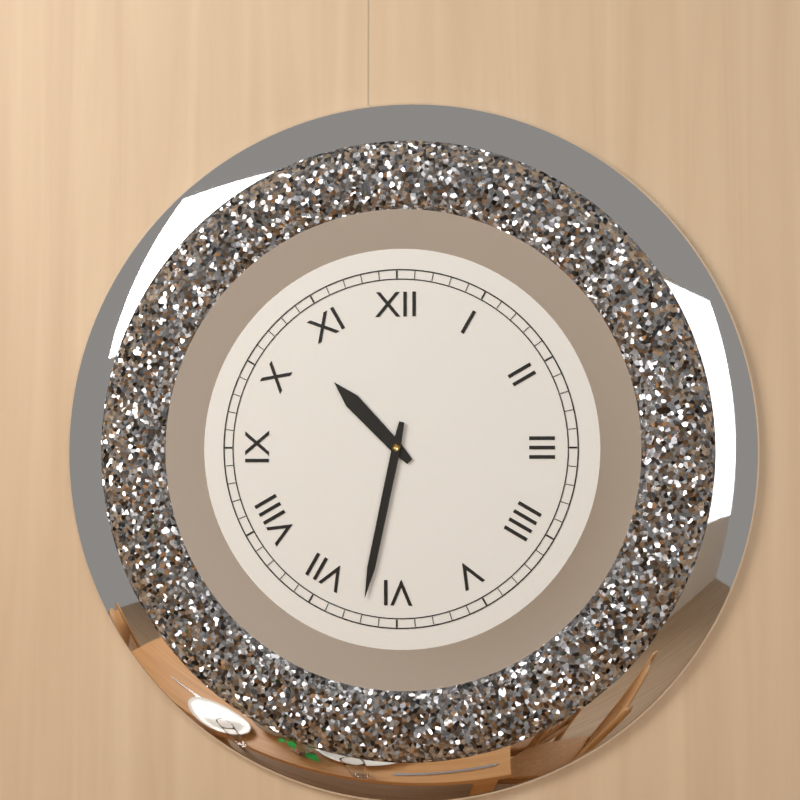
**10:32**
